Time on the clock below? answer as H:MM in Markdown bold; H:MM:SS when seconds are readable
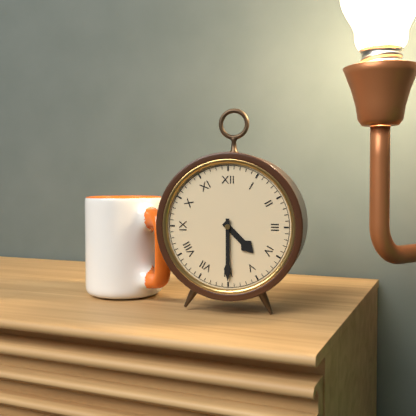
**4:30**
